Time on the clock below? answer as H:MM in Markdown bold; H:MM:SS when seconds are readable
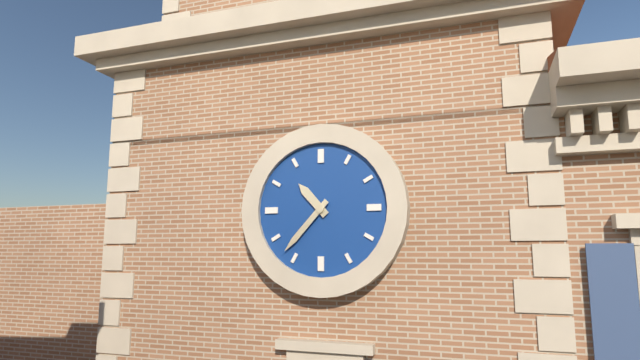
**10:37**
